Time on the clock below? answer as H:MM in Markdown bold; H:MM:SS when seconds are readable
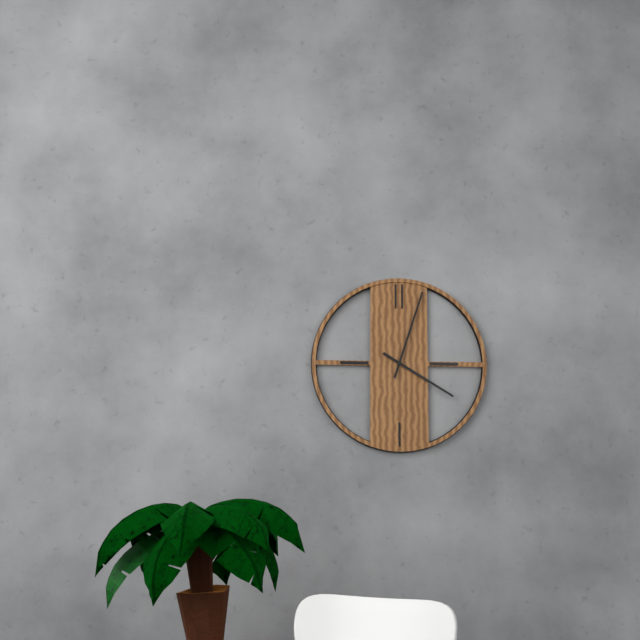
**4:03**
